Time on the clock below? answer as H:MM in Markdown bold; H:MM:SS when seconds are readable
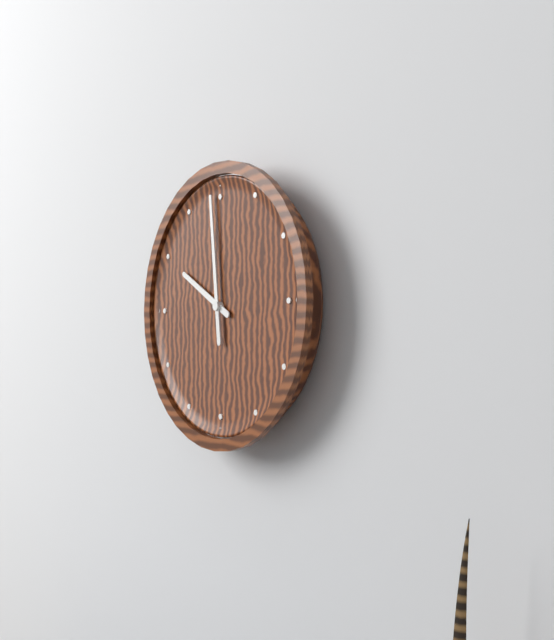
**9:59**
